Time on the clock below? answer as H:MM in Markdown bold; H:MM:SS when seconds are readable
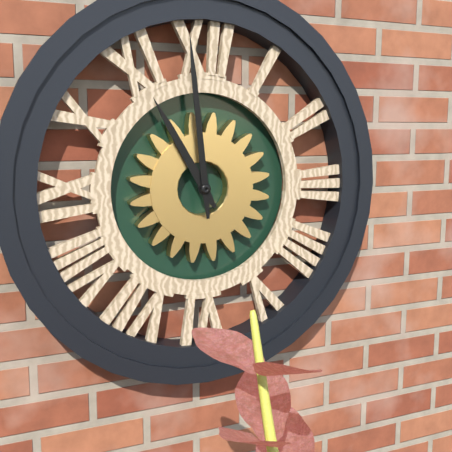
**10:59**
